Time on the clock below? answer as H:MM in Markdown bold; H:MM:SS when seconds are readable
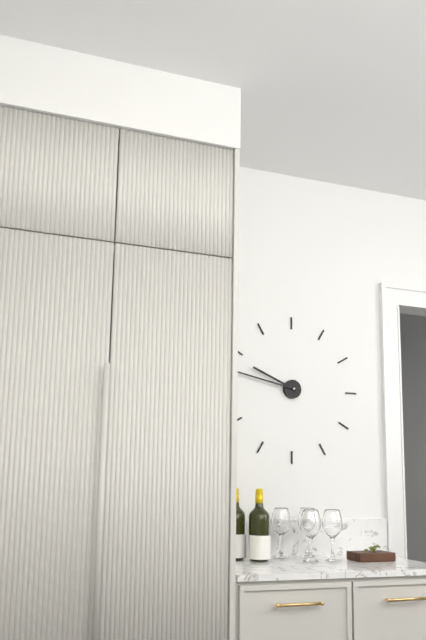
**9:47**
